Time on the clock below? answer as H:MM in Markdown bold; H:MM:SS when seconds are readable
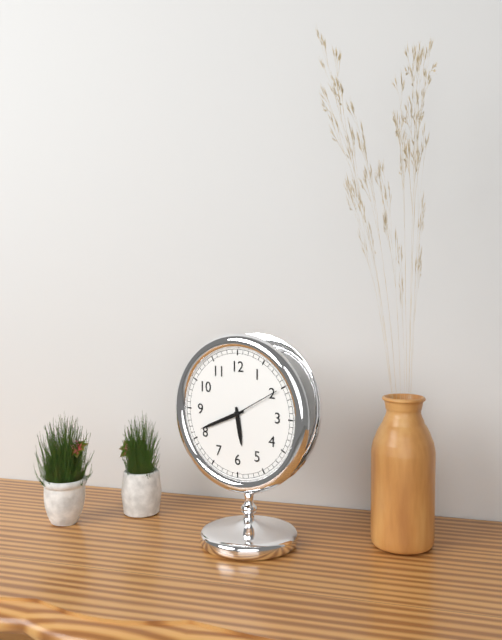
**5:41:10**
